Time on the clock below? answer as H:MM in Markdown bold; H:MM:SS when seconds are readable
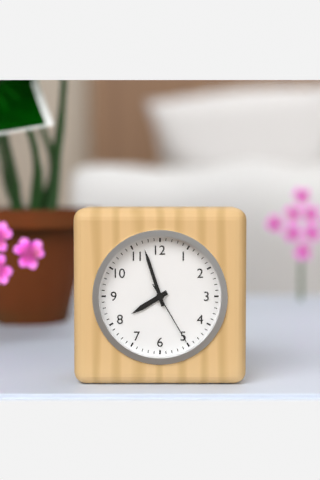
**7:57:25**
